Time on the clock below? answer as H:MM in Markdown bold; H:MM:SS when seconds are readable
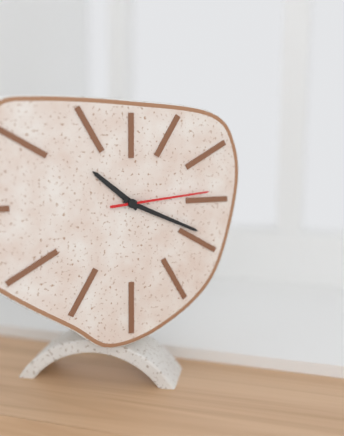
**10:19:14**
